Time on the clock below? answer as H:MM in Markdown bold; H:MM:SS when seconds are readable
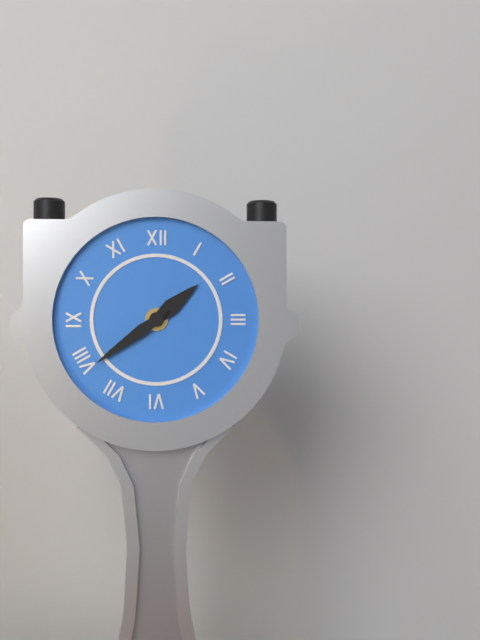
**1:39**
